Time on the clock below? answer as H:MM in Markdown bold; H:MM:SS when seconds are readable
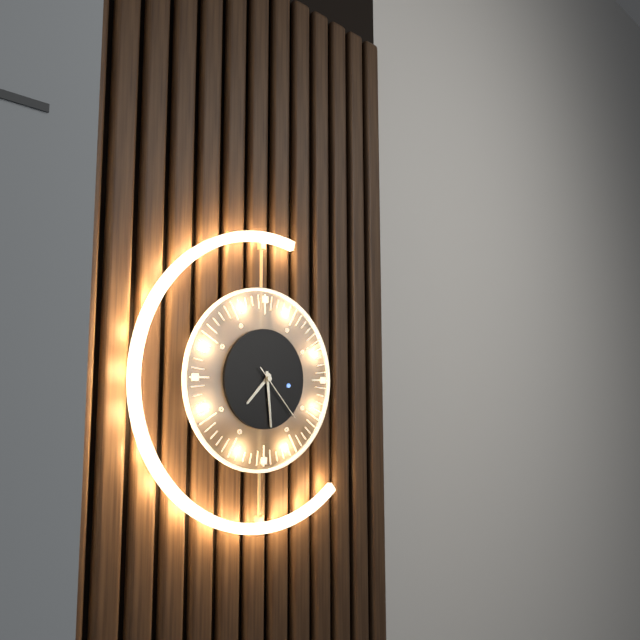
**7:29:23**
